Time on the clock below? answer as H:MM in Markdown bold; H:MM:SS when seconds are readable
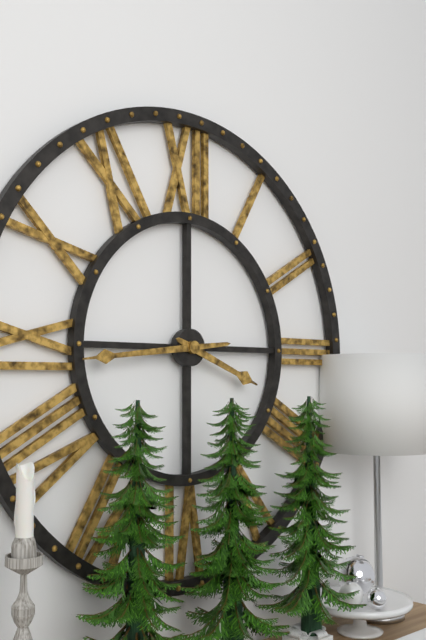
**3:44**
